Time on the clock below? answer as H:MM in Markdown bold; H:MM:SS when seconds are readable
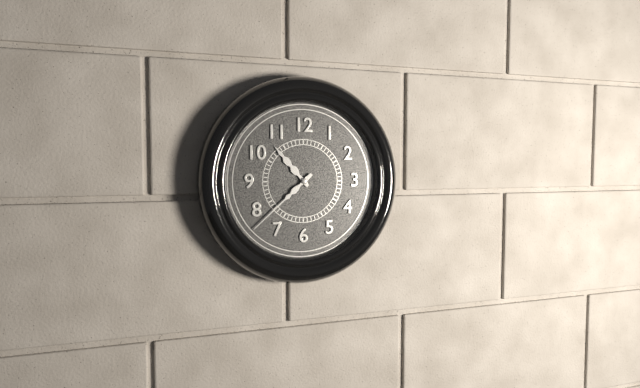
**10:38**
